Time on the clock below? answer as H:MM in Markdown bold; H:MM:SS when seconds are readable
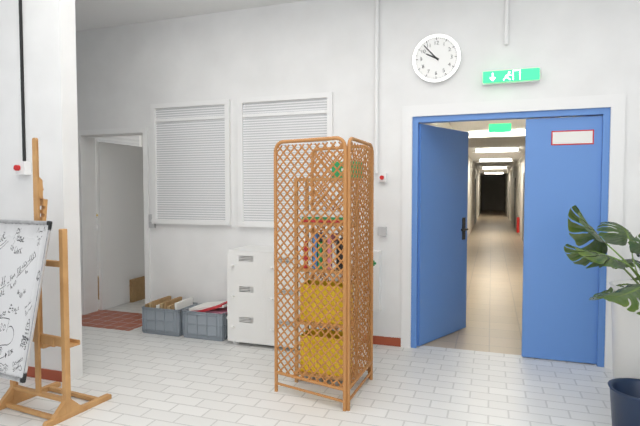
**9:53**
